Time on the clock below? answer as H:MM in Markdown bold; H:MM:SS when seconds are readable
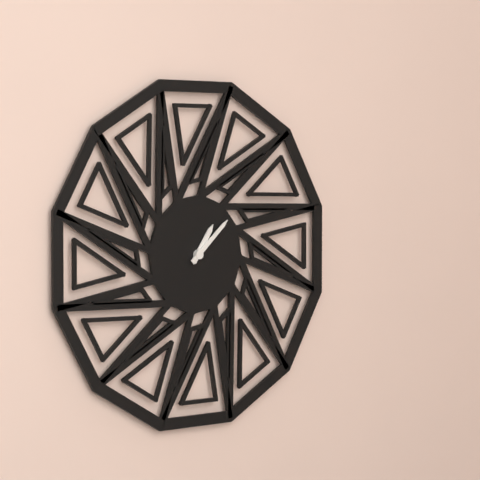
**1:08**
